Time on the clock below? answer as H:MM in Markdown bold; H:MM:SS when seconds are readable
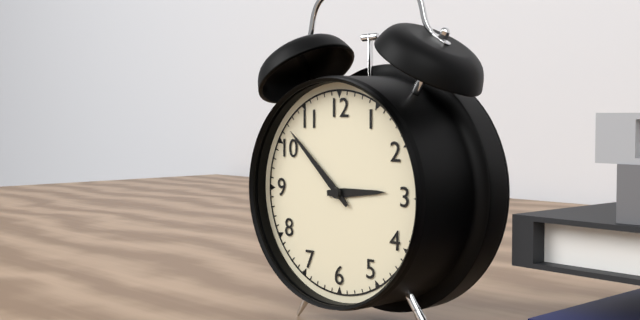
**2:52**
